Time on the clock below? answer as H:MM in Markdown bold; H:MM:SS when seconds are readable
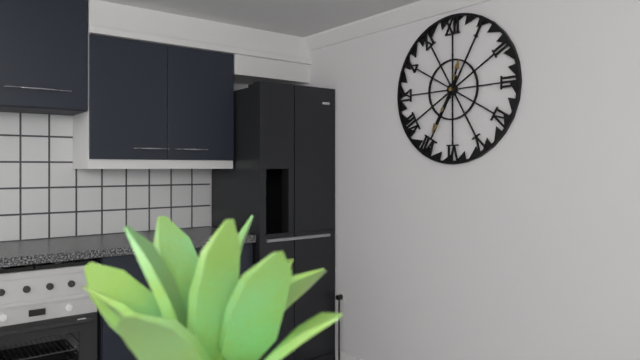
**12:35**
